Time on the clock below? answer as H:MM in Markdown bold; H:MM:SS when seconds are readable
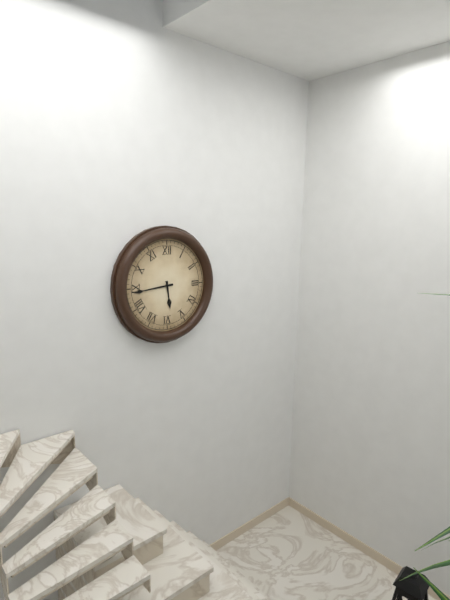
**5:44**
